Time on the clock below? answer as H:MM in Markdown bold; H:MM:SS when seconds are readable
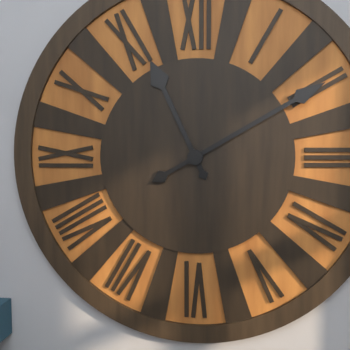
**11:10**
